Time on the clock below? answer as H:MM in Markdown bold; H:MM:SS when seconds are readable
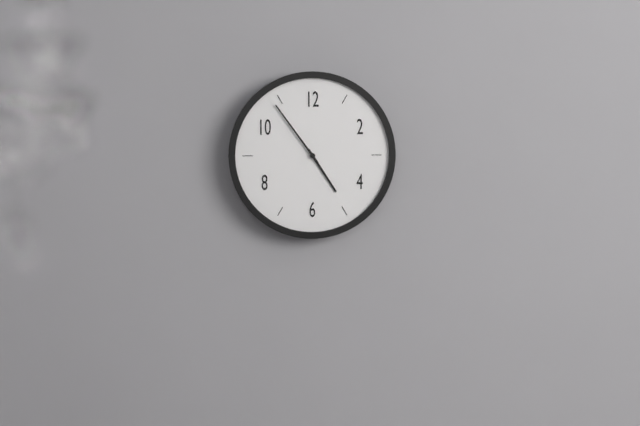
**4:54**
